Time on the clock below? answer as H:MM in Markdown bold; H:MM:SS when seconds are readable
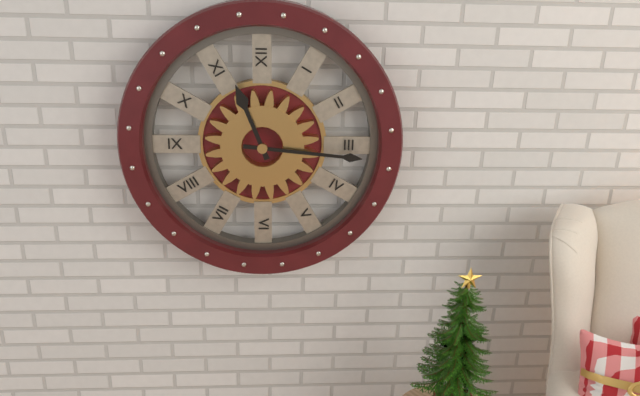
**11:16**
